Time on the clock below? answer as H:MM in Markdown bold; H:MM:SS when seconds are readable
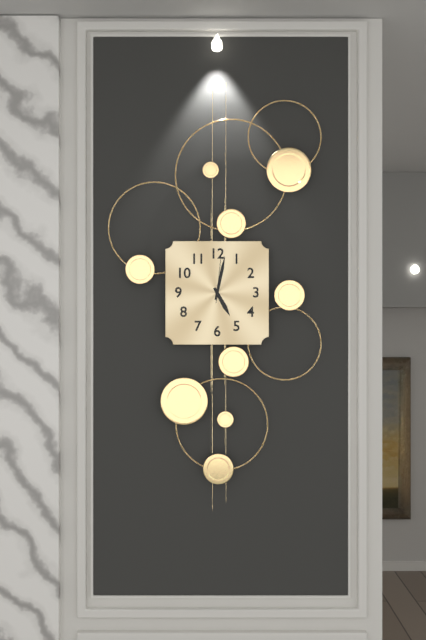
**5:02:01**
